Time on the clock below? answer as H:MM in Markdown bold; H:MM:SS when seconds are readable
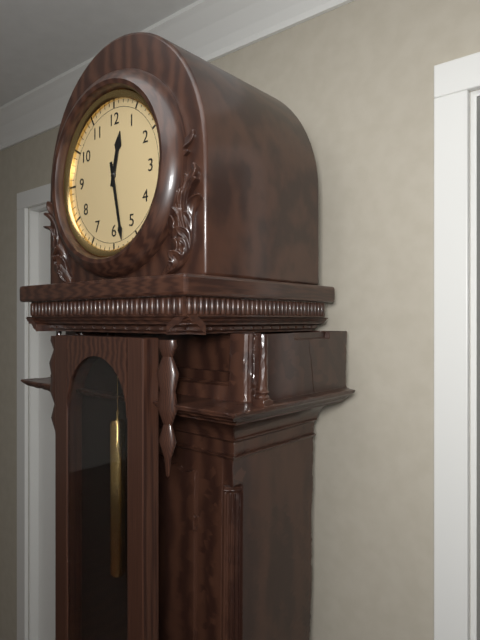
**12:28**
